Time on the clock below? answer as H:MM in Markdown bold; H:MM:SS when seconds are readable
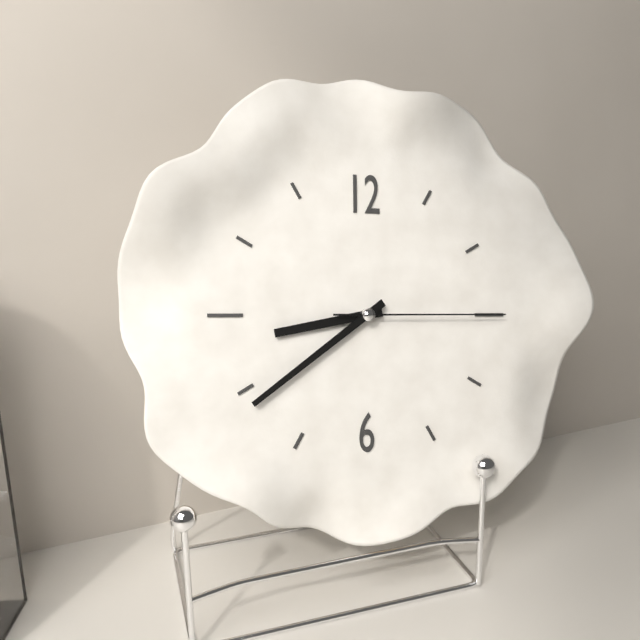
**8:39:15**
